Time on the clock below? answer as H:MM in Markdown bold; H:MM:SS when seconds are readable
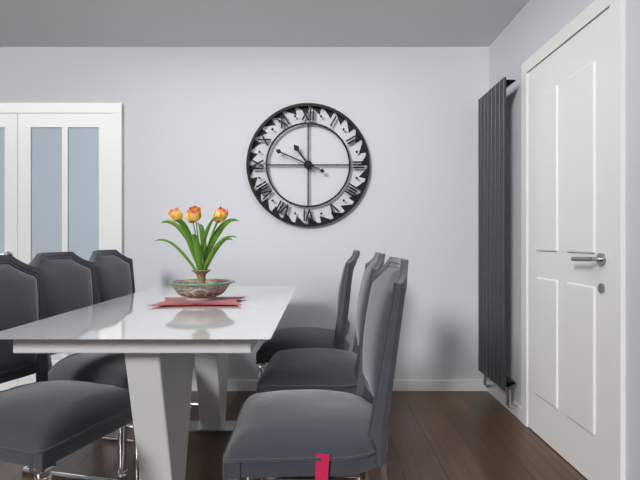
**10:49**
